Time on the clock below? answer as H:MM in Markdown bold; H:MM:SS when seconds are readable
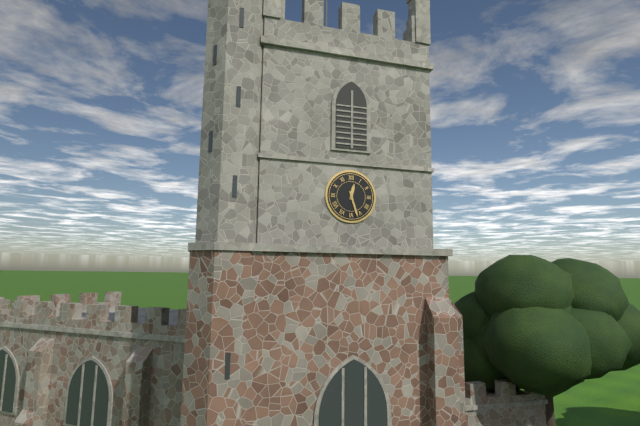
**12:27**
